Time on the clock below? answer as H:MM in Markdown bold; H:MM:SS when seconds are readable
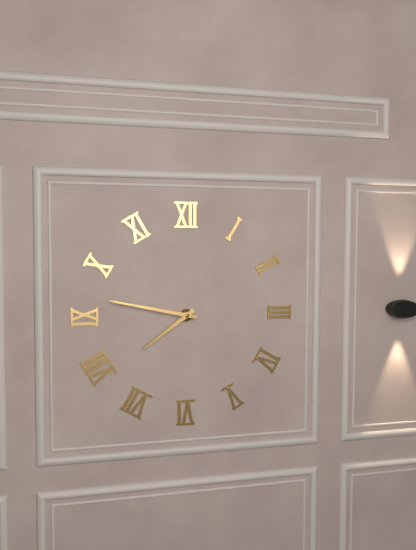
**7:47**
